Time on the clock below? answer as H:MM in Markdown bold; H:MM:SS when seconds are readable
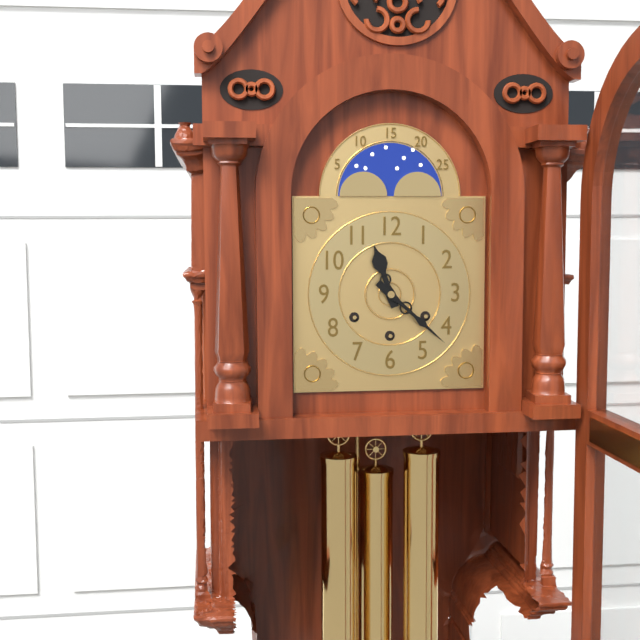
**11:22**
